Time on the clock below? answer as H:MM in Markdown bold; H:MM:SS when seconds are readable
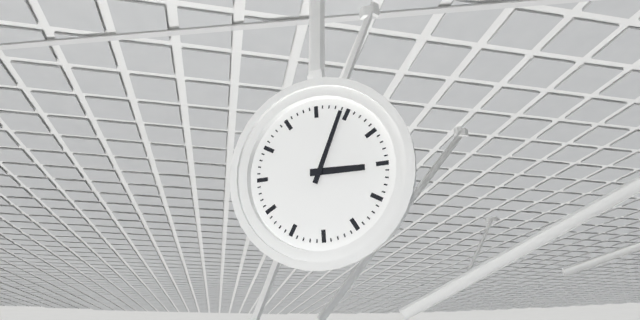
**3:04**
